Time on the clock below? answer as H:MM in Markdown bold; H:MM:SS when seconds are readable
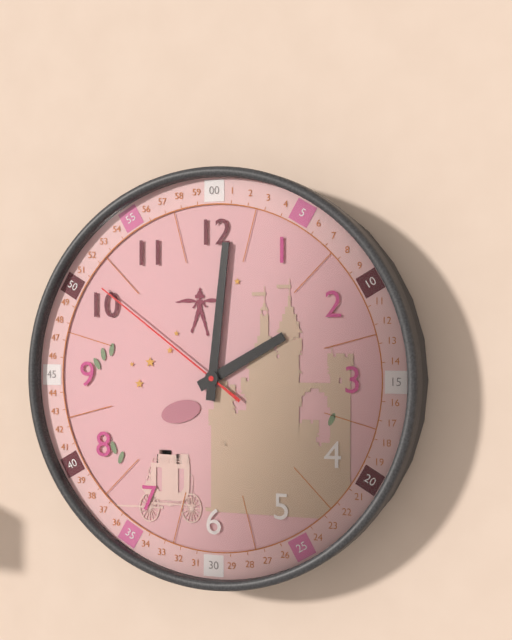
**2:01:51**
